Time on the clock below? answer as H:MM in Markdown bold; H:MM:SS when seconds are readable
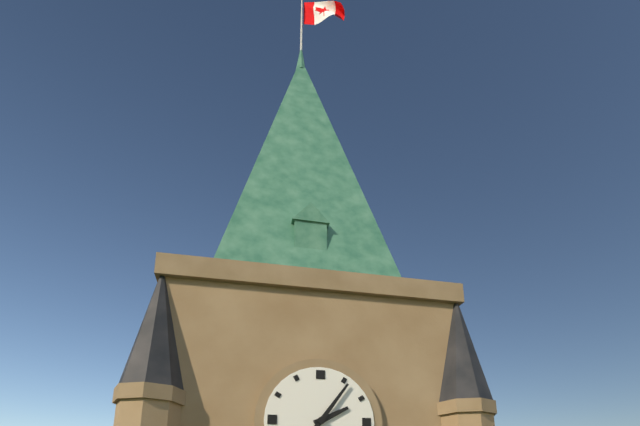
**2:06**
